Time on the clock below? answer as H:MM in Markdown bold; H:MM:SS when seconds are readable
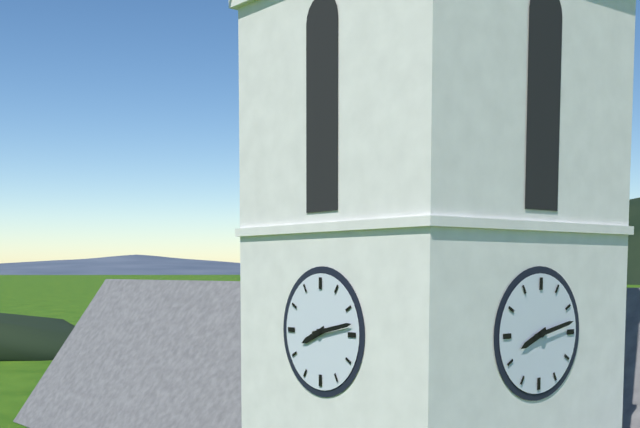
**8:13**
